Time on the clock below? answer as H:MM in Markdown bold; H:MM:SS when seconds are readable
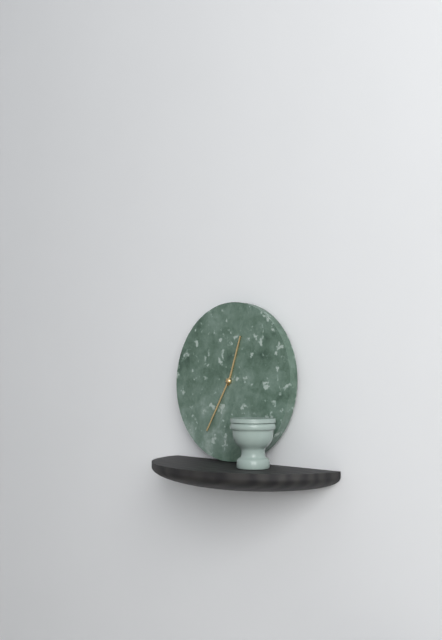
**12:35**
